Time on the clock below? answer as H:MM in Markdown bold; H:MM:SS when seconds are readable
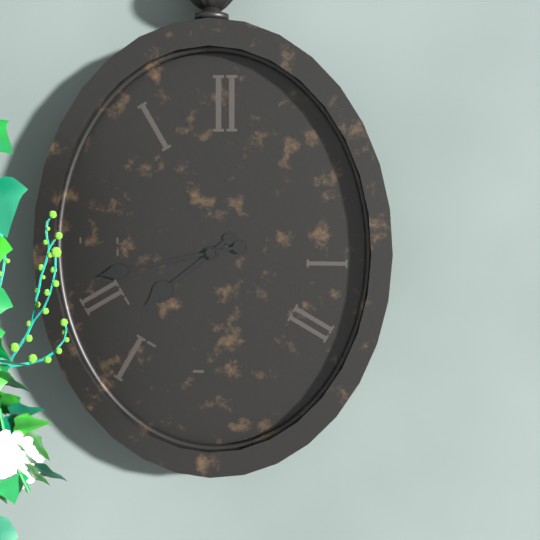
**7:43**
